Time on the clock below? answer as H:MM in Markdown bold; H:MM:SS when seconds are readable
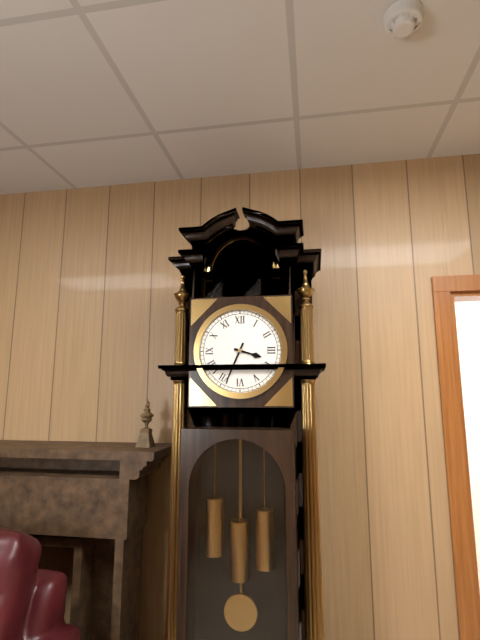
**3:34**
